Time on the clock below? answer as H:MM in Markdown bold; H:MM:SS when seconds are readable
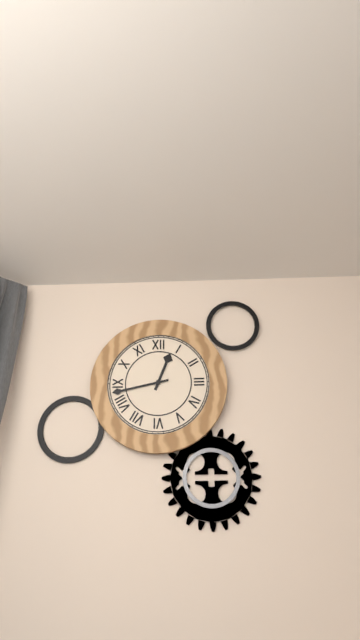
**12:43**
